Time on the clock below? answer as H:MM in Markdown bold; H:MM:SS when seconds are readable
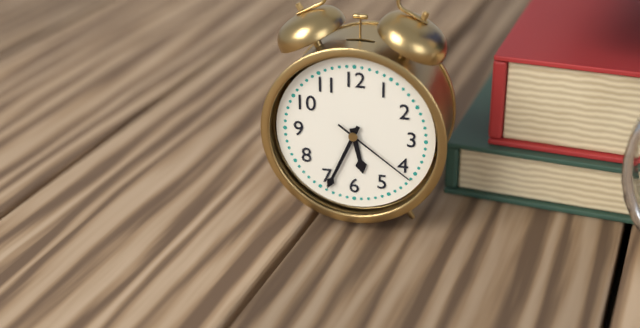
**5:34:21**
